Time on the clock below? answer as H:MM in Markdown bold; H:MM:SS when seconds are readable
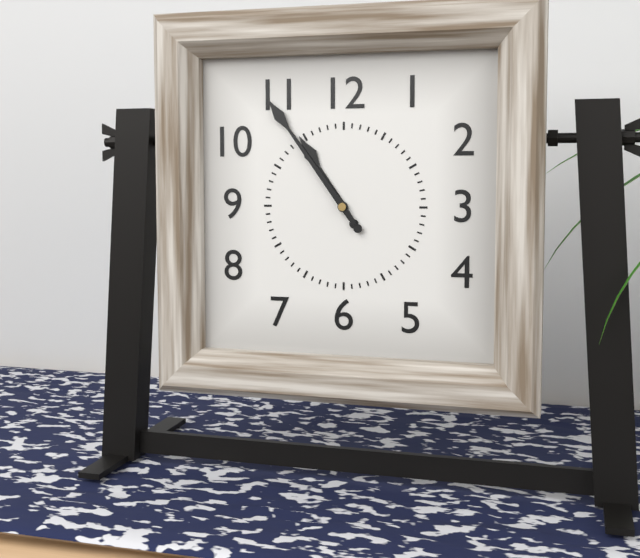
**10:54**
